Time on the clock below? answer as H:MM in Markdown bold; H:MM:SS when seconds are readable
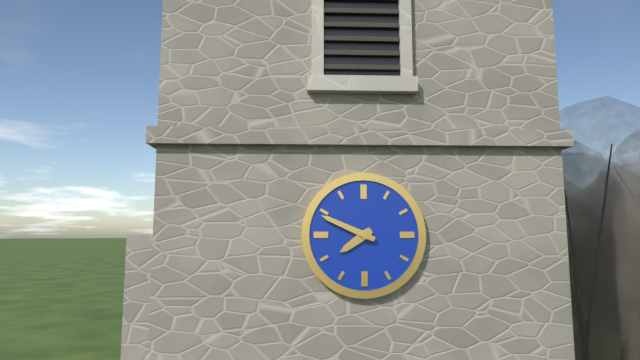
**7:49**
